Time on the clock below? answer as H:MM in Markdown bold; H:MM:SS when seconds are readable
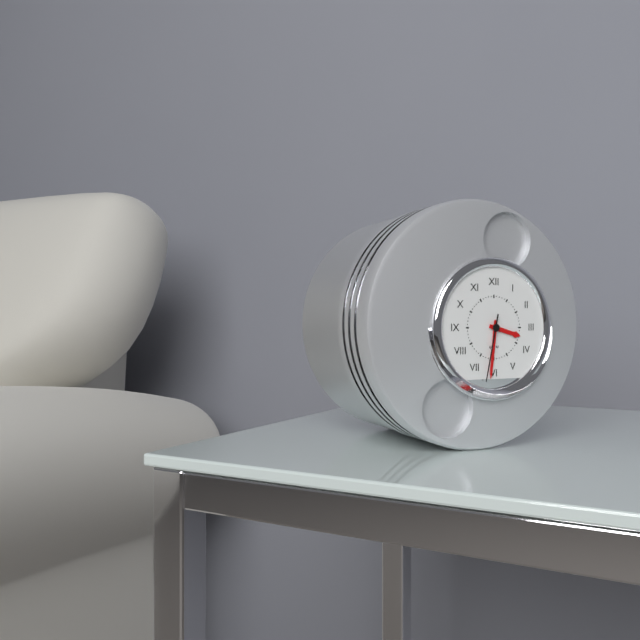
**3:31:32**
